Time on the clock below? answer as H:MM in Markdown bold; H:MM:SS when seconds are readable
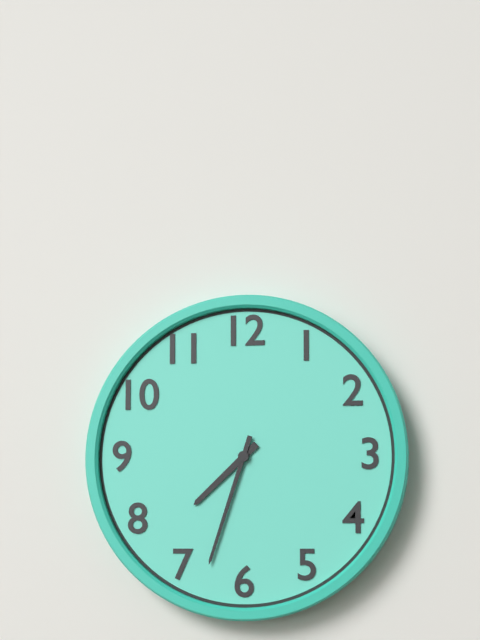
**7:33**
